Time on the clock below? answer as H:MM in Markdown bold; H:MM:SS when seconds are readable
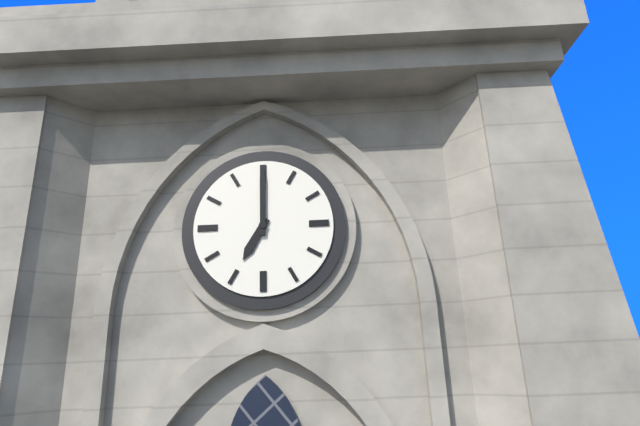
**7:00**
